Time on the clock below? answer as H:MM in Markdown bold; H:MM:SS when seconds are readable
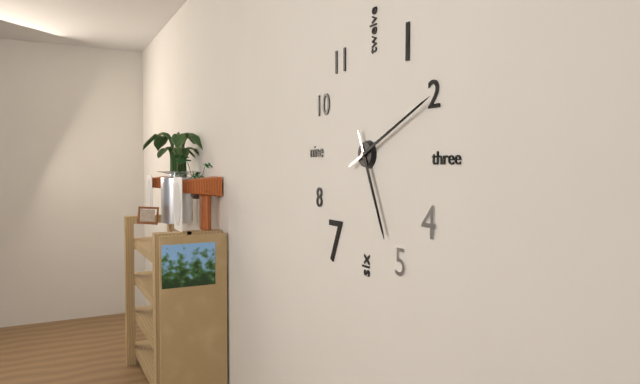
**5:11**
